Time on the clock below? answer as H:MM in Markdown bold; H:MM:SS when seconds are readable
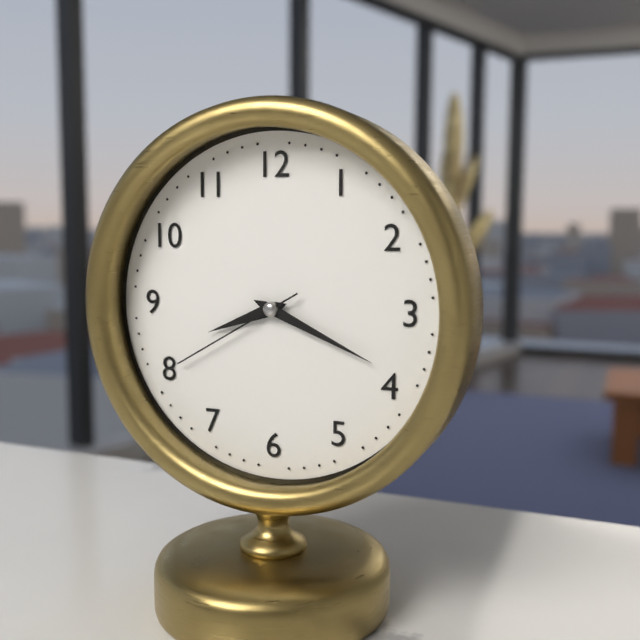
**8:19:40**
